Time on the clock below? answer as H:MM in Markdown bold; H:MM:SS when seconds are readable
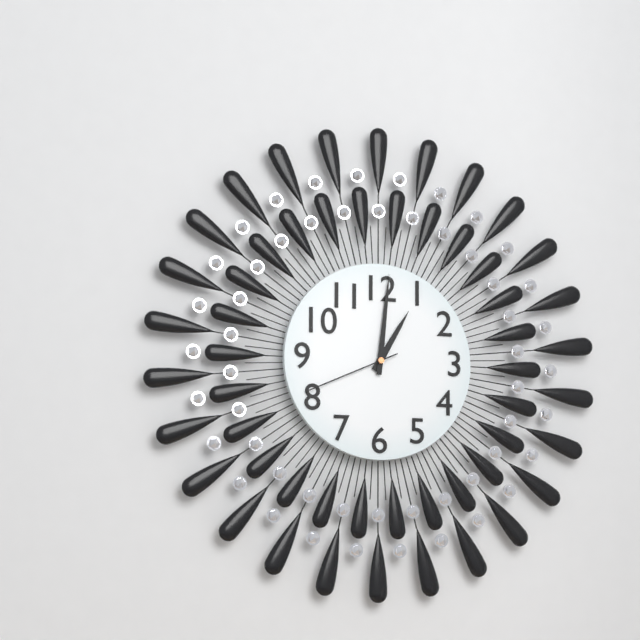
**1:01:41**
